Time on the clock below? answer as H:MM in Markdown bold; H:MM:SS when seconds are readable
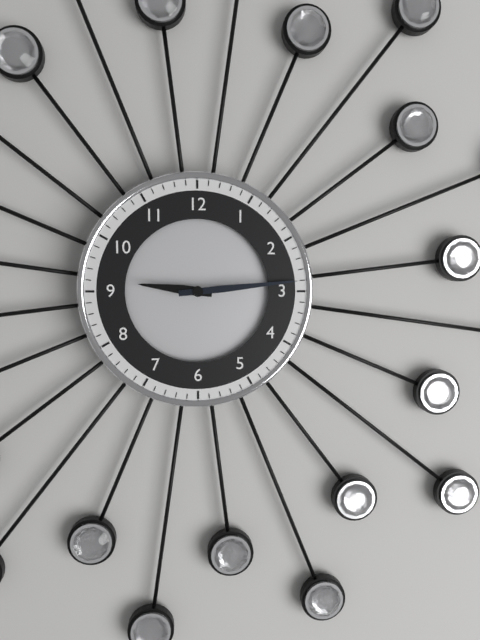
**9:14**
